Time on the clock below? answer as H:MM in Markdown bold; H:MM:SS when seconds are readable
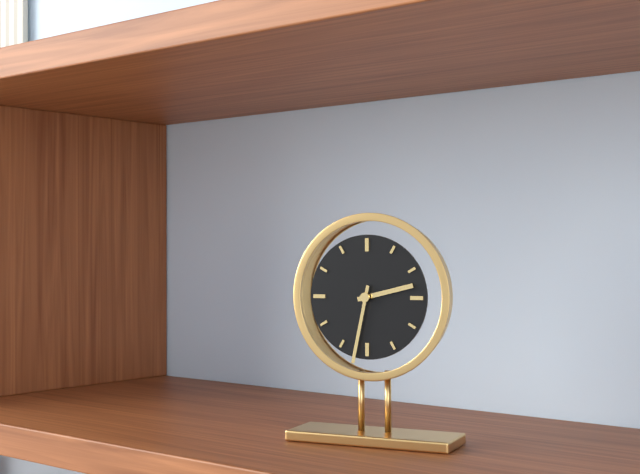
**2:32**
